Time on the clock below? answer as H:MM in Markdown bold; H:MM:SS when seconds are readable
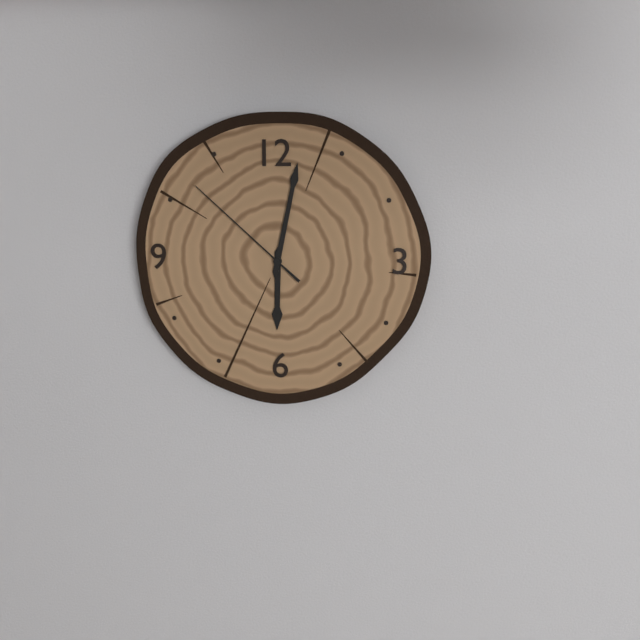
**6:02:52**
